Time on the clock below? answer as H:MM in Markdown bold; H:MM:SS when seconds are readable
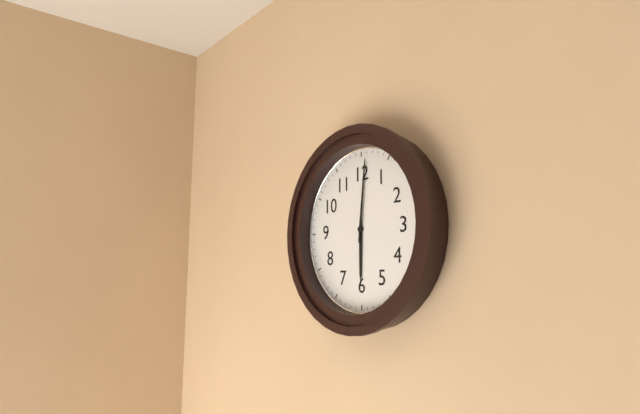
**6:01**
